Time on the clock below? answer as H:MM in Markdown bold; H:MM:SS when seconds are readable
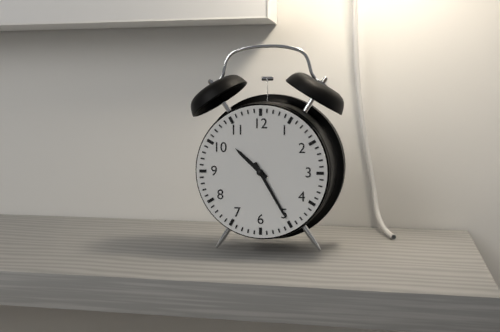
**10:25**
